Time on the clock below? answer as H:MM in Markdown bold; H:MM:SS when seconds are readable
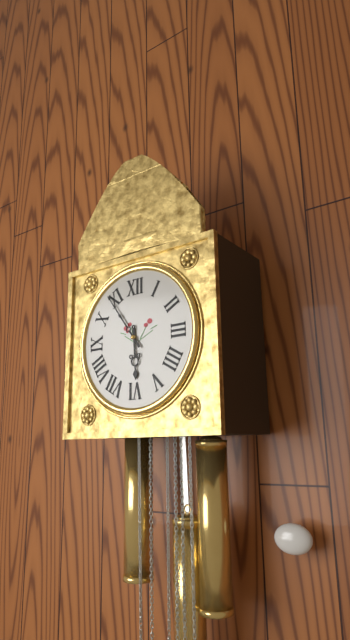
**5:54**
